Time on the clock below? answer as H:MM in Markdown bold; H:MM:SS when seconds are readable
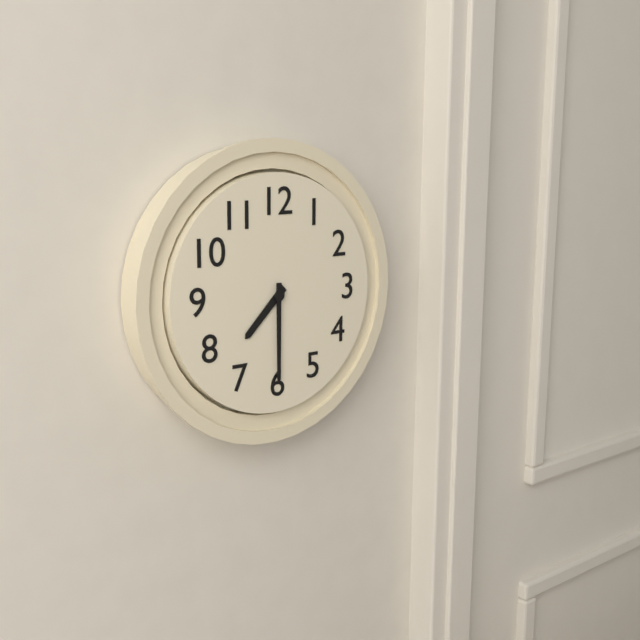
**7:30**
